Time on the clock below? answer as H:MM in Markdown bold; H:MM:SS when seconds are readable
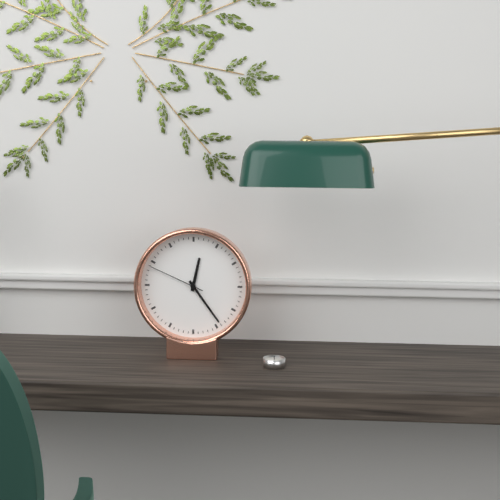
**12:24:49**
